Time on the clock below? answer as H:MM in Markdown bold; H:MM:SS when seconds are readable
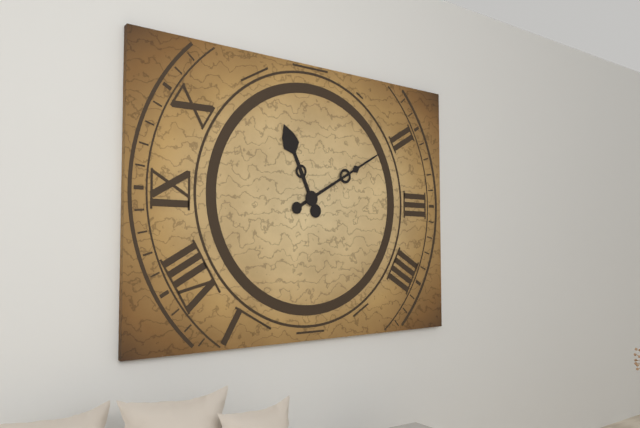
**11:10**
